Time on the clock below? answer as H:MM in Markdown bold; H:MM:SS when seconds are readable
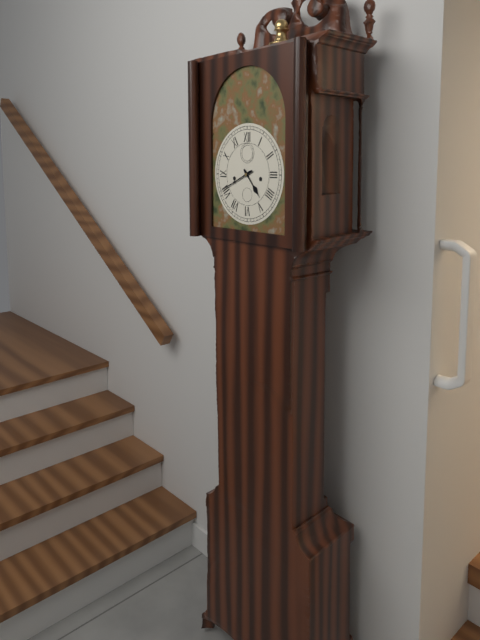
**4:41**
